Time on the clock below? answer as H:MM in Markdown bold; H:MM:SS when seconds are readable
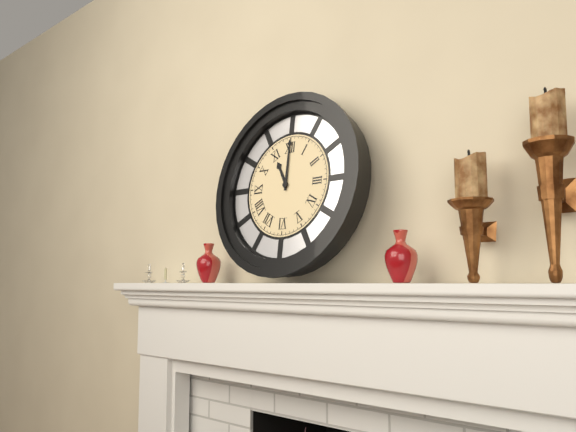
**11:00**
